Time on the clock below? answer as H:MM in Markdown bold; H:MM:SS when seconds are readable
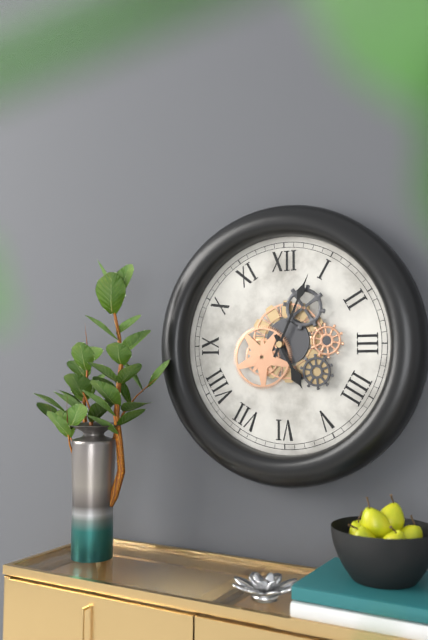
**5:04**
